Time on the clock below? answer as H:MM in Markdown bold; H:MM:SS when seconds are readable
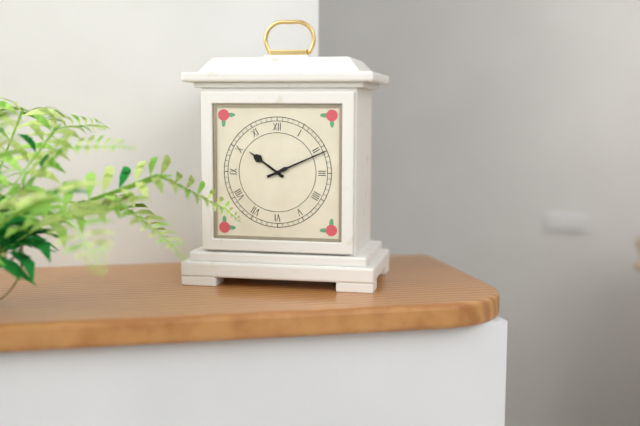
**10:11**
